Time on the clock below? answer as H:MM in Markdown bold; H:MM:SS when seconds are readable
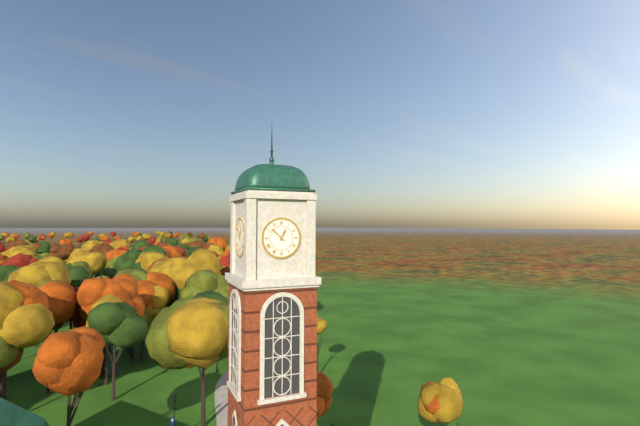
**12:52**
